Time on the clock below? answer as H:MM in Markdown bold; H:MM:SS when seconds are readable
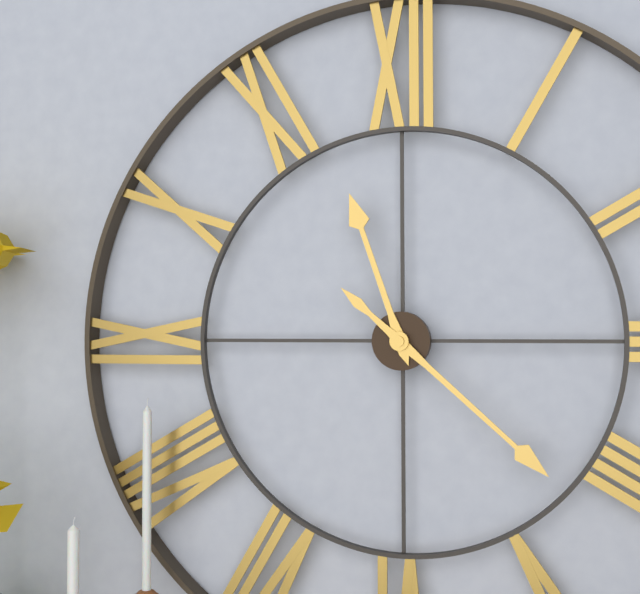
**11:22**
